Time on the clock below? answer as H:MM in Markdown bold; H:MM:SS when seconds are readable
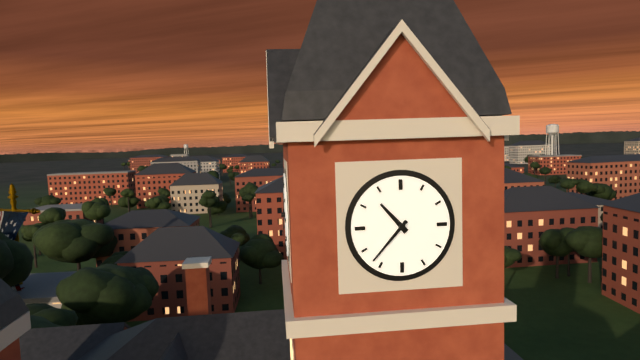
**10:37**
